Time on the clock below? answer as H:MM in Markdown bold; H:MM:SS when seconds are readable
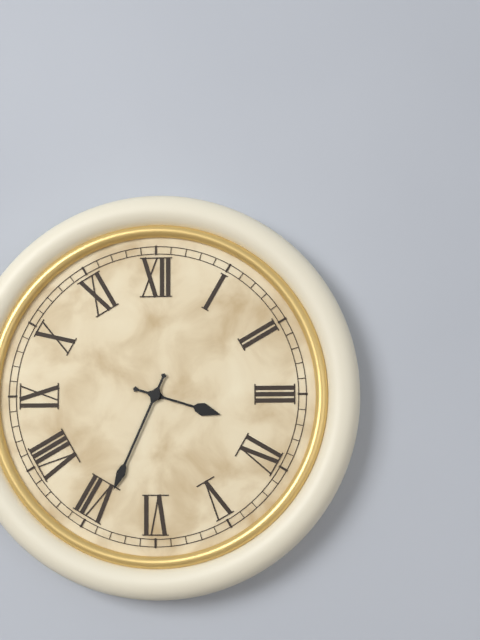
**3:34**
